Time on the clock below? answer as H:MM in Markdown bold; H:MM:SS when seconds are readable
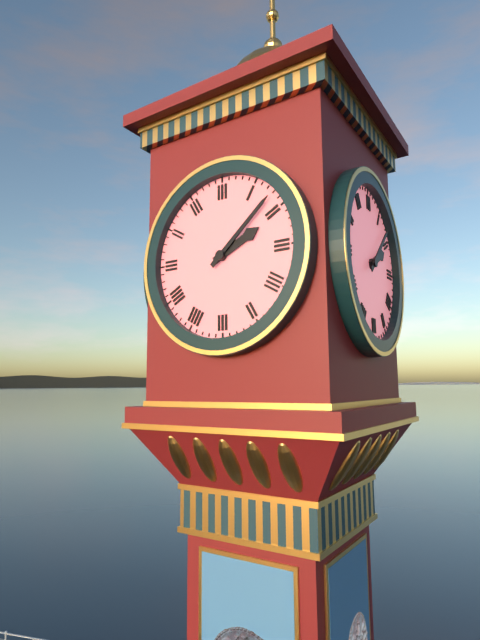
**2:08**
